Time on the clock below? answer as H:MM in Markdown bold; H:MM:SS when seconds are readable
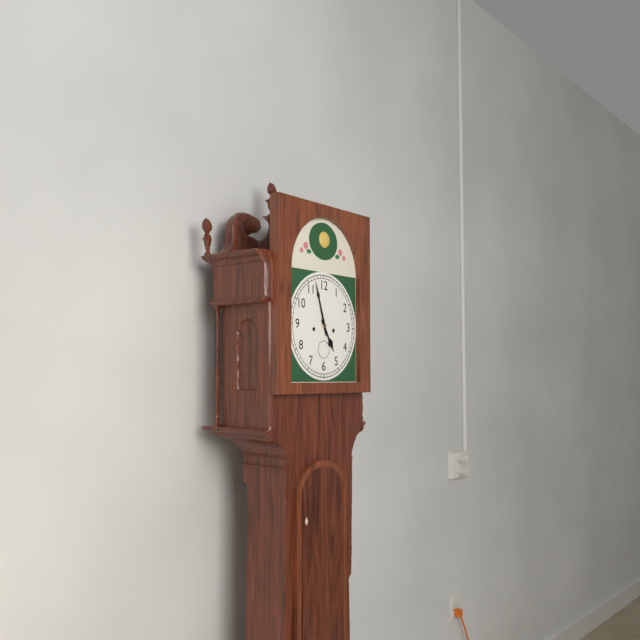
**4:57**
